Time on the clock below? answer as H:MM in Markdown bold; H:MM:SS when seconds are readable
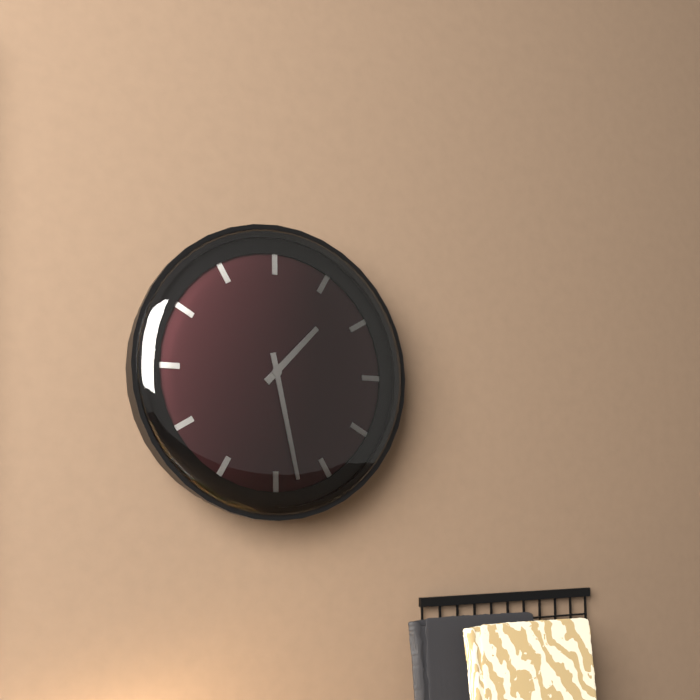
**1:28**
